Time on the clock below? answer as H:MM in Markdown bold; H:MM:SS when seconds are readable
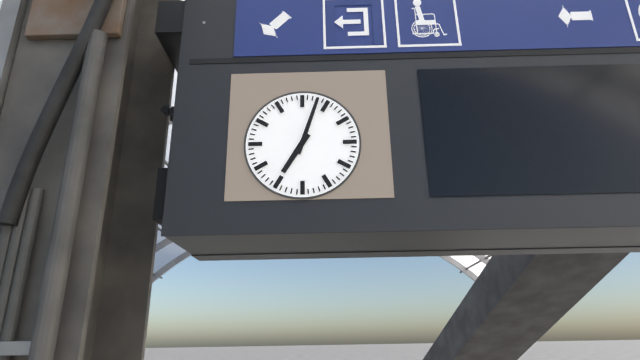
**7:03**
